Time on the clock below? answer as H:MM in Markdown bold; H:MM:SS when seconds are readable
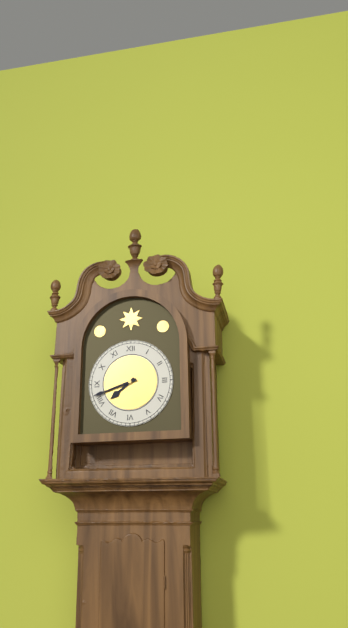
**7:42**
